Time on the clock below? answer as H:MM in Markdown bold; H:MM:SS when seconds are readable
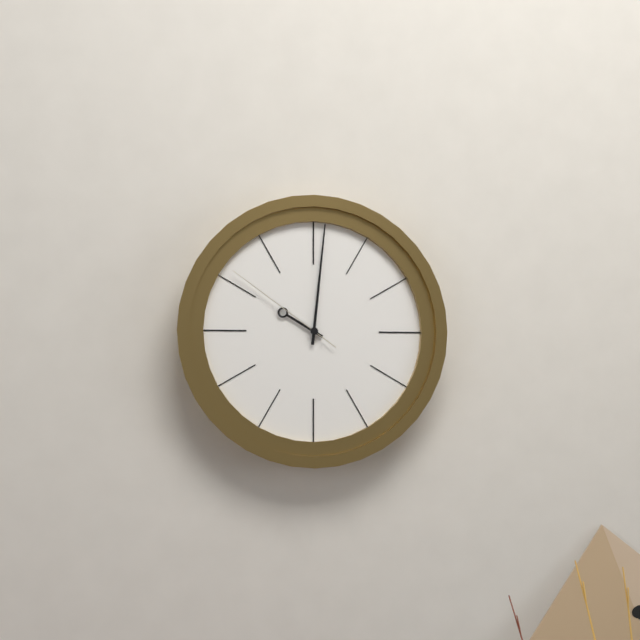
**10:01:51**
